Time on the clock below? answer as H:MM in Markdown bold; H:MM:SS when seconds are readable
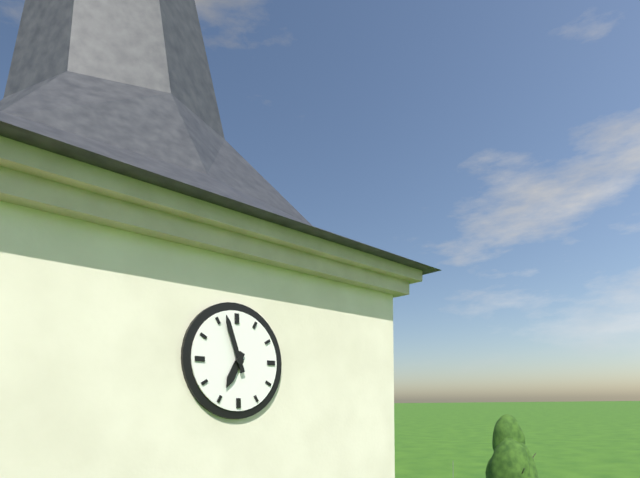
**6:57**
